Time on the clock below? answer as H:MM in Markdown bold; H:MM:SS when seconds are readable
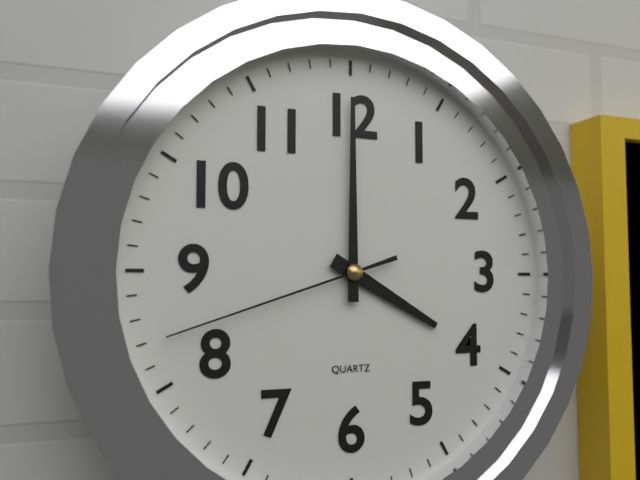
**4:00:42**
